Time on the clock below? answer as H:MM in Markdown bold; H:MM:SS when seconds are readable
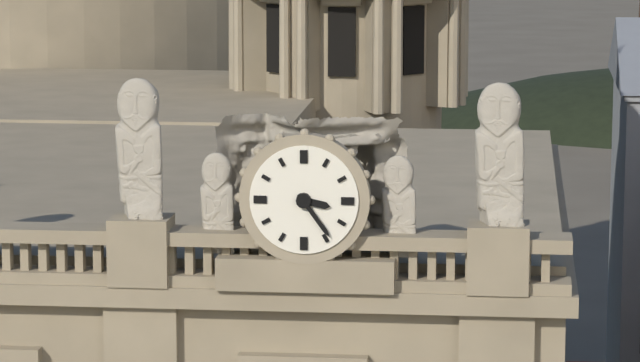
**3:24**
